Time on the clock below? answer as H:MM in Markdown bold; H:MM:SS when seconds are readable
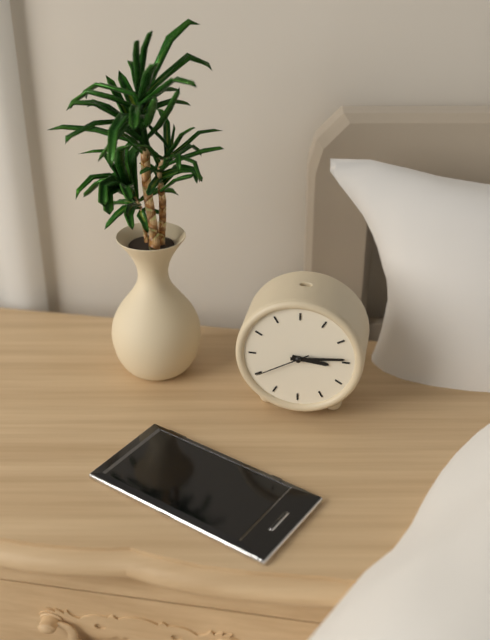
**3:14:40**
